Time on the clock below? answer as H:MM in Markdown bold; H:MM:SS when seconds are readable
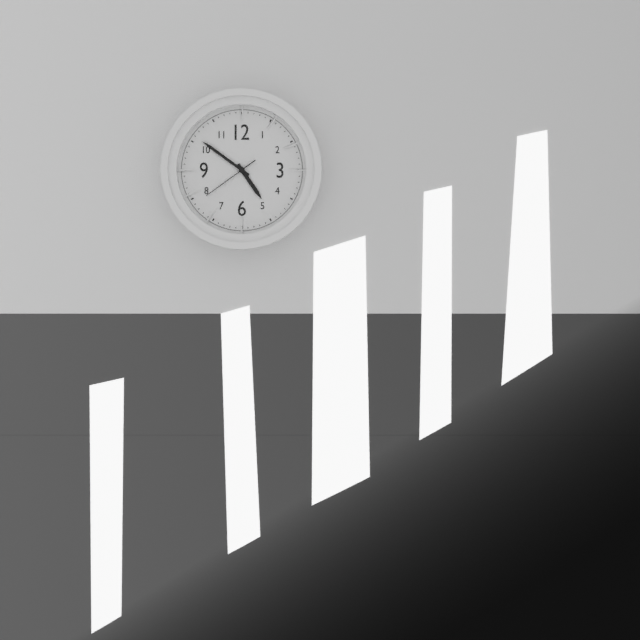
**4:51:39**
